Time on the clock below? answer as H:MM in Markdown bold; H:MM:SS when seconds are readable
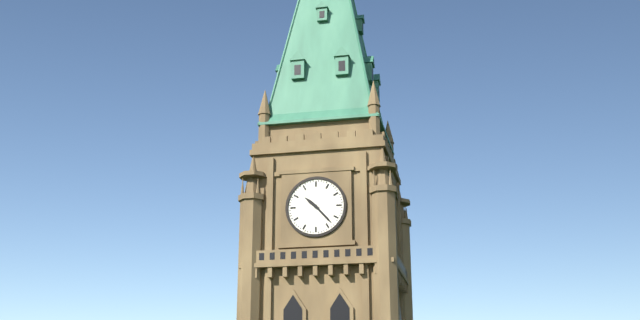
**10:23**
